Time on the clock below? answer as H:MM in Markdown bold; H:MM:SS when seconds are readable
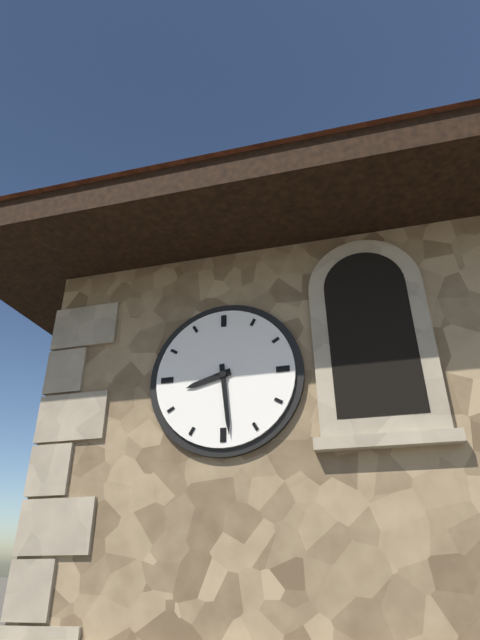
**8:29**
